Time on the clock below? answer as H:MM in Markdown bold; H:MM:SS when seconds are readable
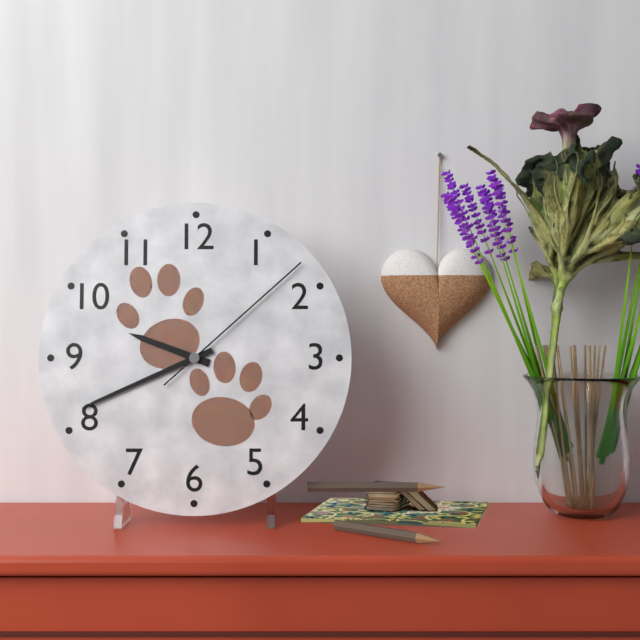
**9:41:08**
